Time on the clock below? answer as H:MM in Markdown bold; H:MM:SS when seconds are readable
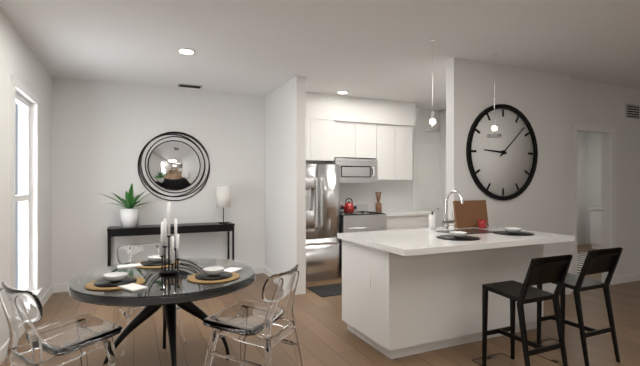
**9:08**
